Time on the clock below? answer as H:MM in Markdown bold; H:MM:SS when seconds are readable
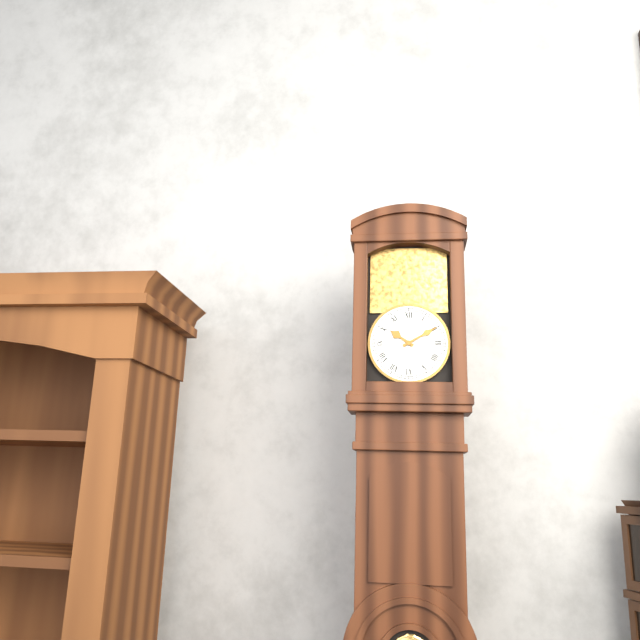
**10:10**
